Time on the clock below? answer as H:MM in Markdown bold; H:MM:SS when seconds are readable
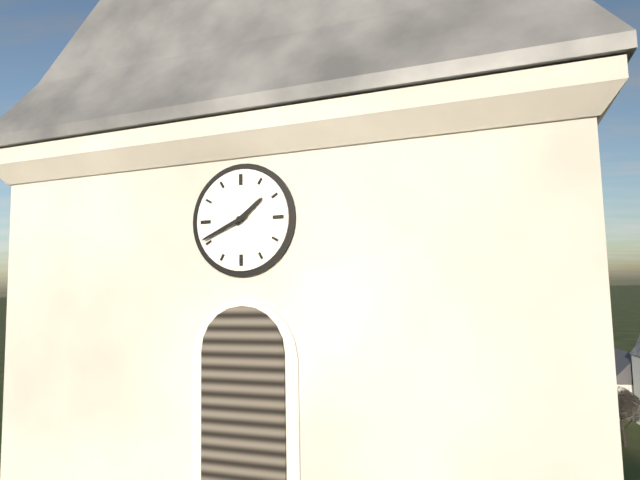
**1:41**
